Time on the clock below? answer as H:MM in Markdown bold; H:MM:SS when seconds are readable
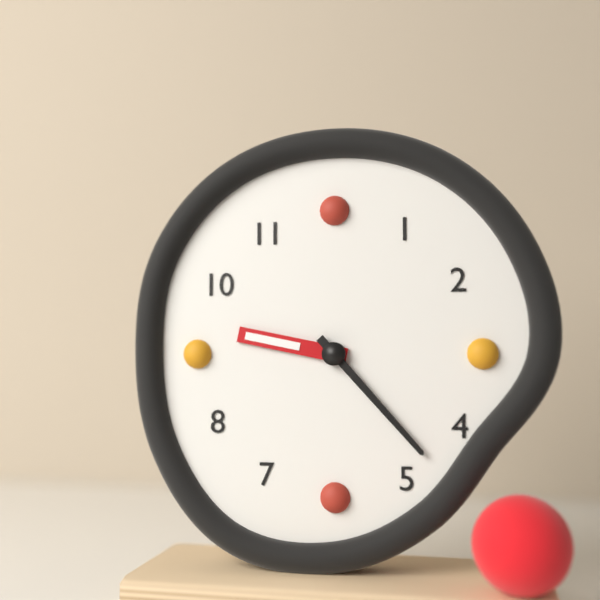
**9:23**
